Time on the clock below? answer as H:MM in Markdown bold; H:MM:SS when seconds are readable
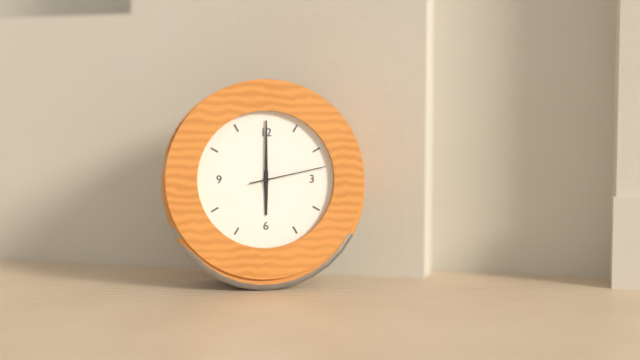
**6:00:13**
